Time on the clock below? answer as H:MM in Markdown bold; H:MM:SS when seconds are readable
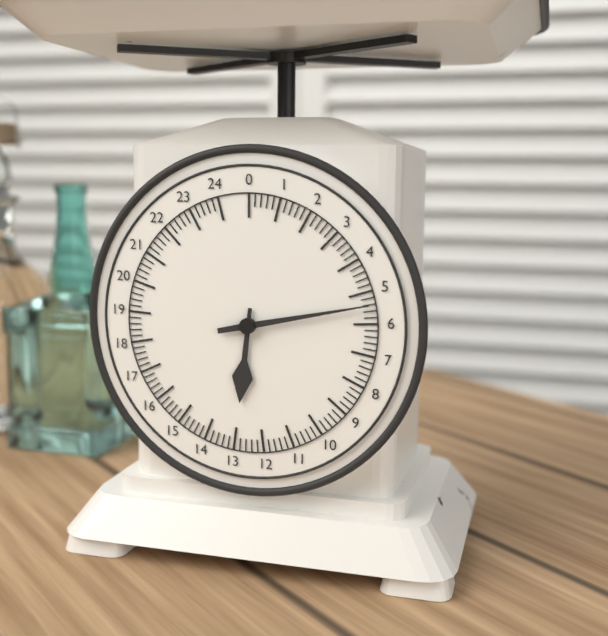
**6:13**
